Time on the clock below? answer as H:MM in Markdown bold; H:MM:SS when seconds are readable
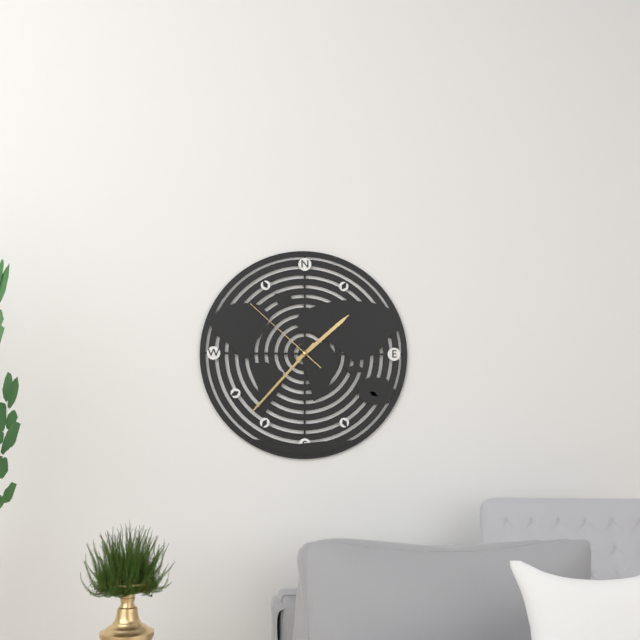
**1:37:52**
